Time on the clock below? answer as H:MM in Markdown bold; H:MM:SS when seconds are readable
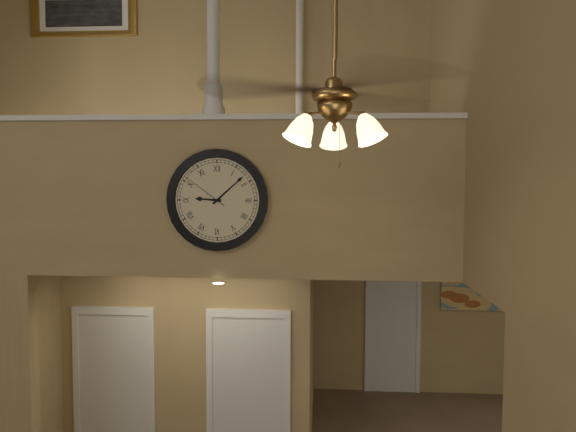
**9:08**
